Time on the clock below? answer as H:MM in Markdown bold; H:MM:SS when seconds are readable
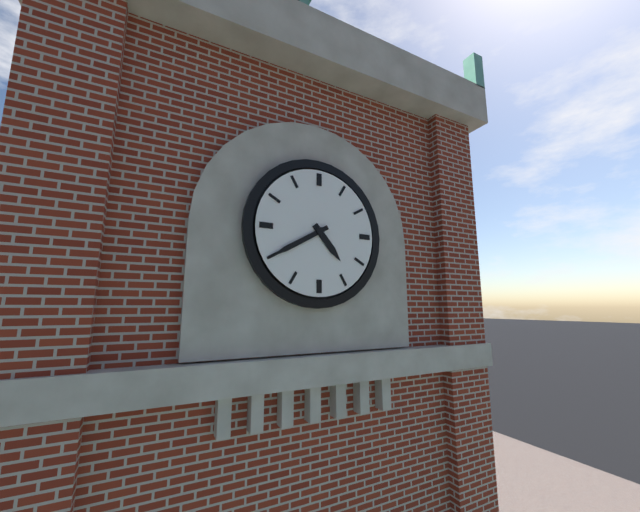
**4:40**
